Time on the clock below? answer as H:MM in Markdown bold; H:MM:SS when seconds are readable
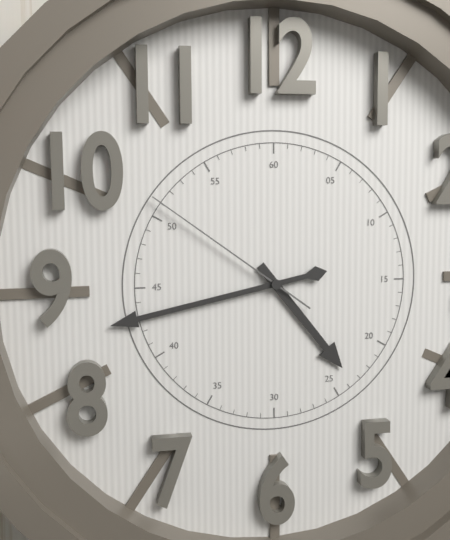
**4:43:51**
